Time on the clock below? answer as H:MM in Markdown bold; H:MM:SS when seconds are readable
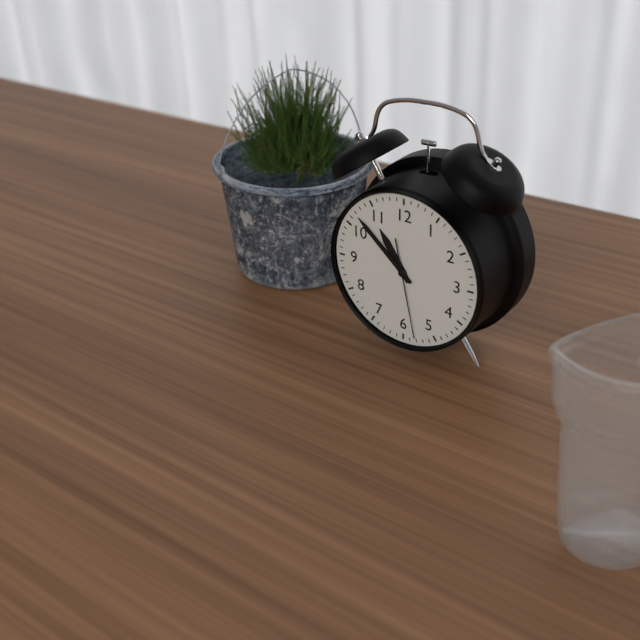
**10:52:28**
